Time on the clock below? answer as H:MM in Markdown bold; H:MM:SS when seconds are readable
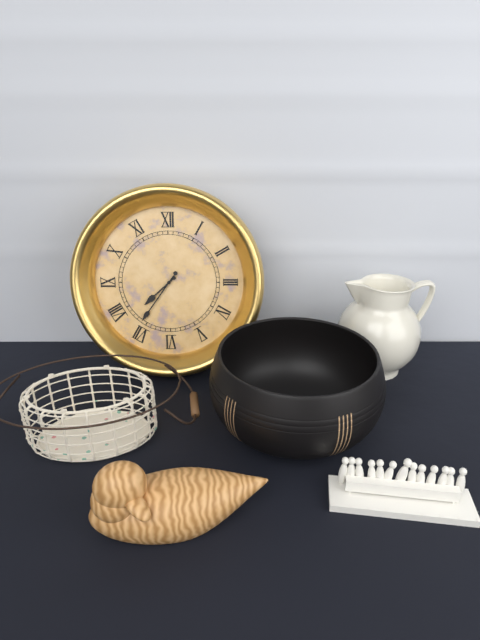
**7:36**
